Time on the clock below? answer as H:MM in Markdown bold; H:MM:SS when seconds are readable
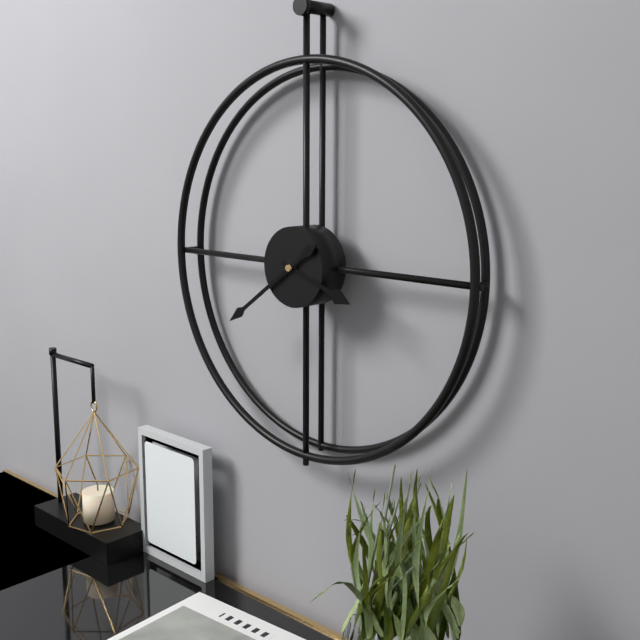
**3:39**
